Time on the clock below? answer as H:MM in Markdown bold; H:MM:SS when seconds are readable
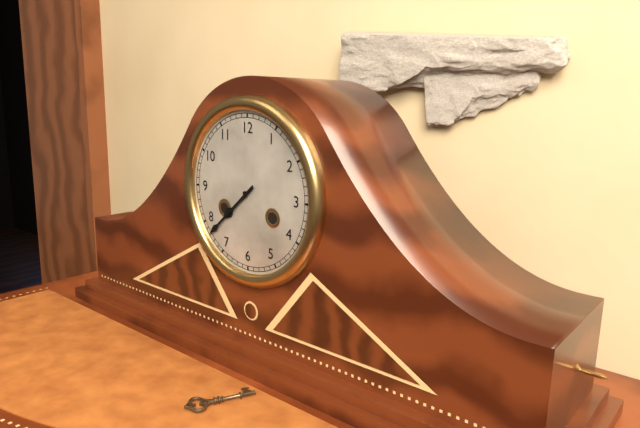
**7:38**
